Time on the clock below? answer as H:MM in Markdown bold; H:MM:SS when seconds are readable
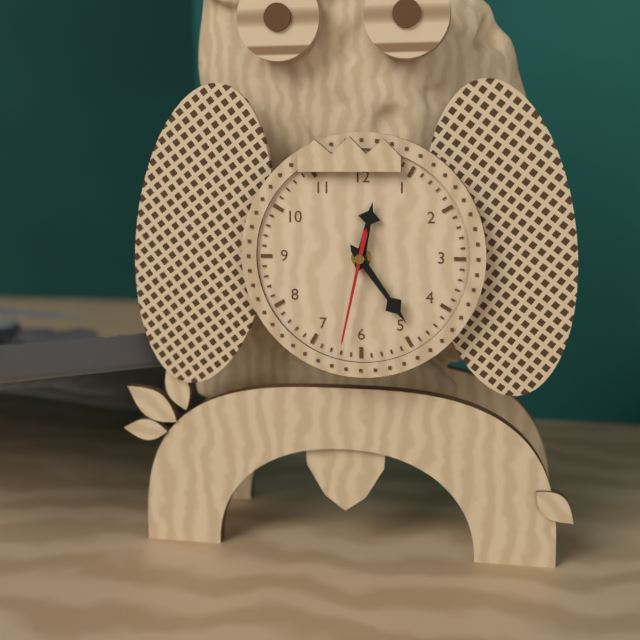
**12:24:32**
